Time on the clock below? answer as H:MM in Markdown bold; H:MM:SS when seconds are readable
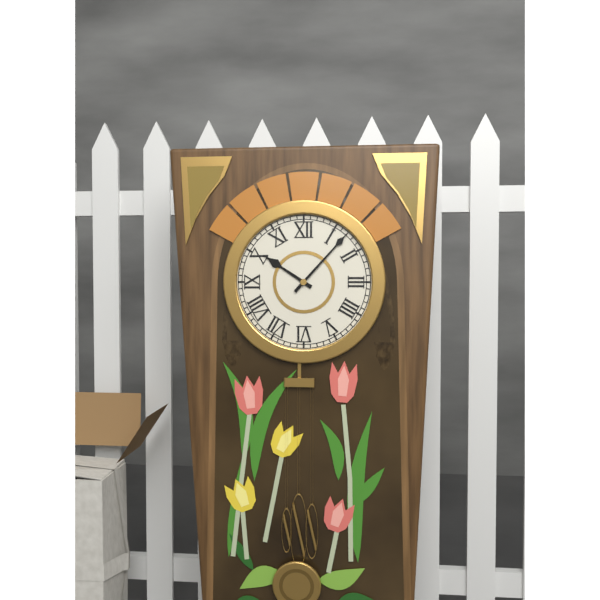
**10:07**
